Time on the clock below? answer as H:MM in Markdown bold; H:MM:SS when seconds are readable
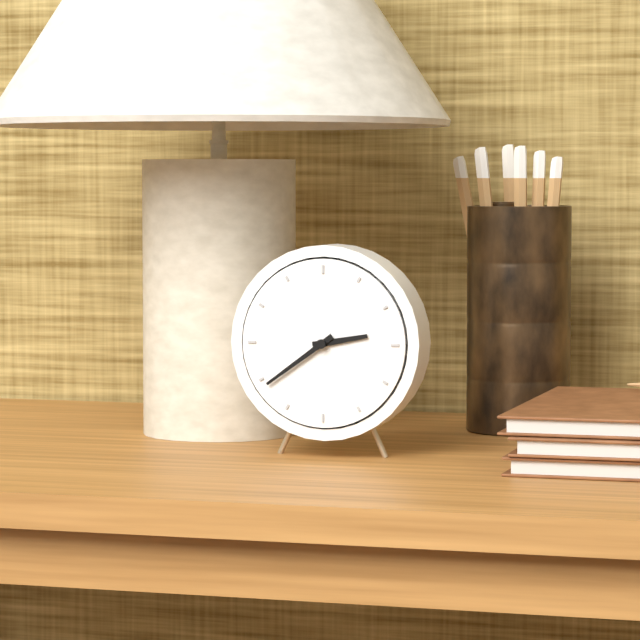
**2:39**
